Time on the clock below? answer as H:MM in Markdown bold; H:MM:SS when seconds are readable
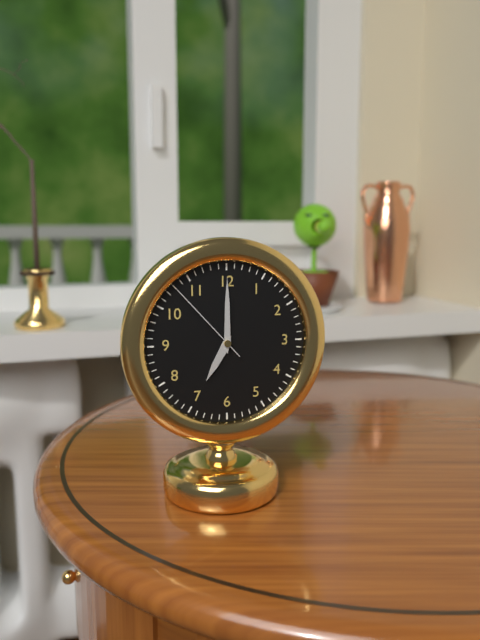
**7:00:53**
